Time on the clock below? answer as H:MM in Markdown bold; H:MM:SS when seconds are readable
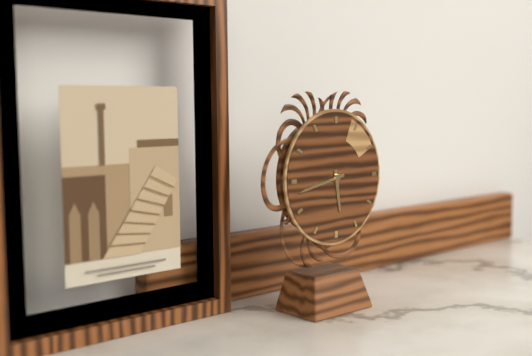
**5:43**
